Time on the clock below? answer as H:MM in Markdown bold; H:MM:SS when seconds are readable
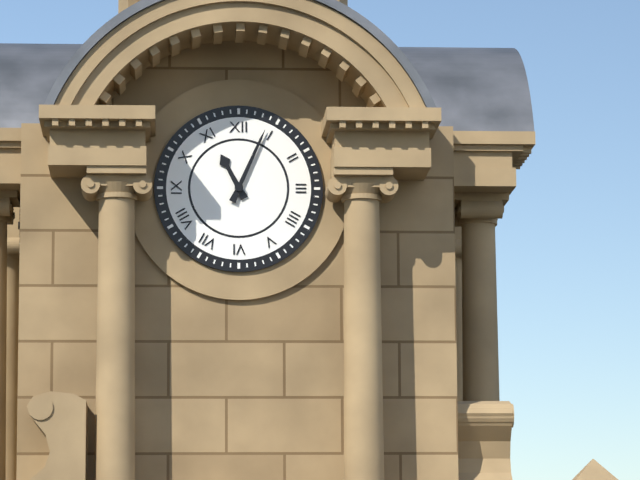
**11:04**
